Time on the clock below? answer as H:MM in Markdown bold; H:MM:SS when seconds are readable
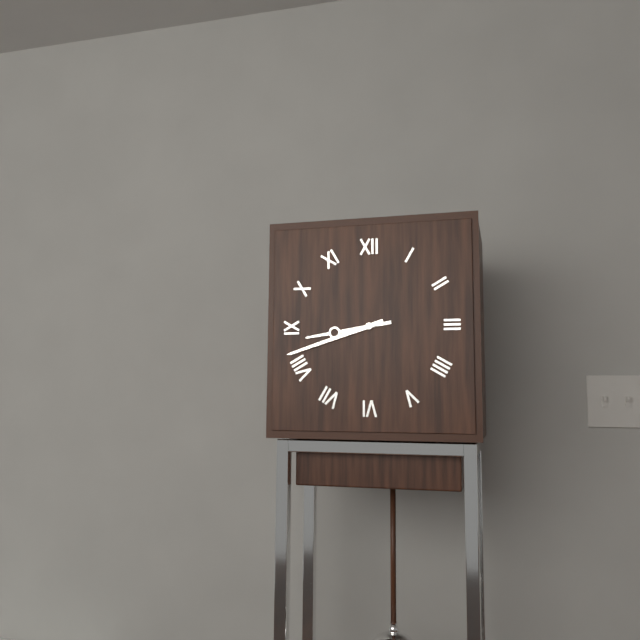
**8:42**
